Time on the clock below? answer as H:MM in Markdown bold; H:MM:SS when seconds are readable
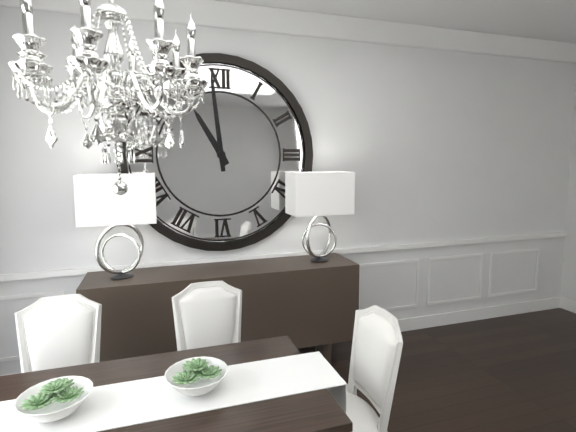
**10:59**
